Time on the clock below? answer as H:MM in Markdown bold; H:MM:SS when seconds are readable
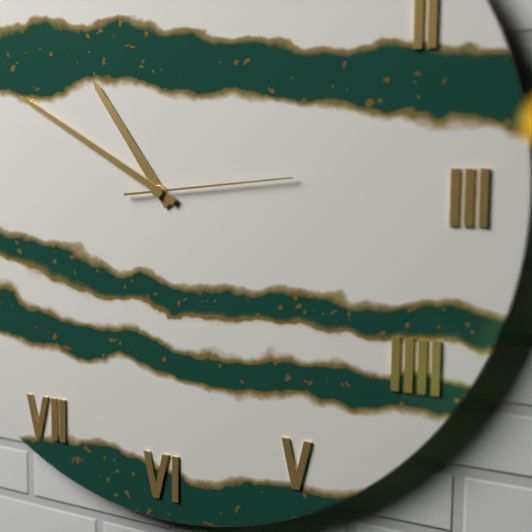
**10:50:14**
